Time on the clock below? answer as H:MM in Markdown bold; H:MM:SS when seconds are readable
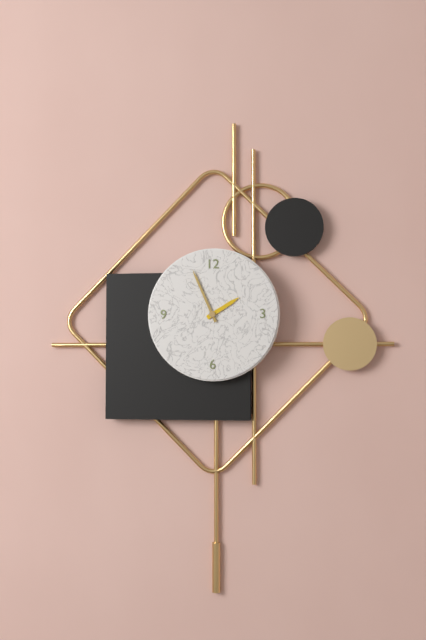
**1:56**
